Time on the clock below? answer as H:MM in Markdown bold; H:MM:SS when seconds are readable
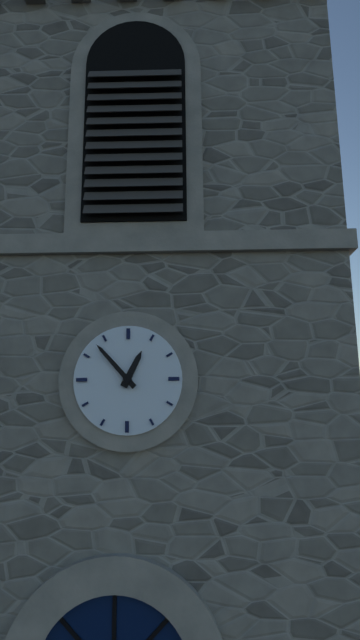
**12:53**
